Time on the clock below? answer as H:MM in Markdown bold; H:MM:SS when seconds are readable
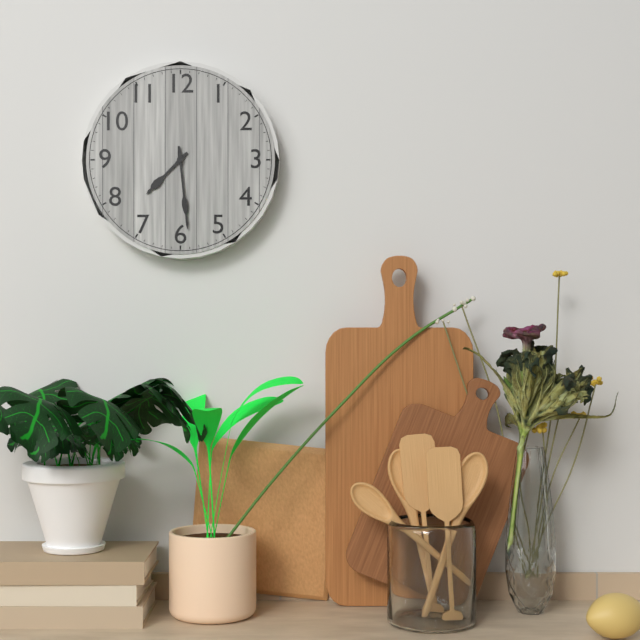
**7:29**
